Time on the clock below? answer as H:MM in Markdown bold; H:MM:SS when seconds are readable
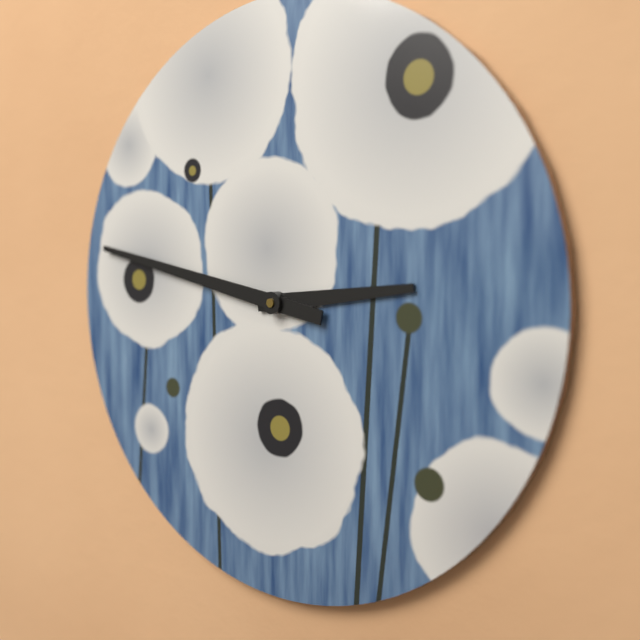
**2:47**
